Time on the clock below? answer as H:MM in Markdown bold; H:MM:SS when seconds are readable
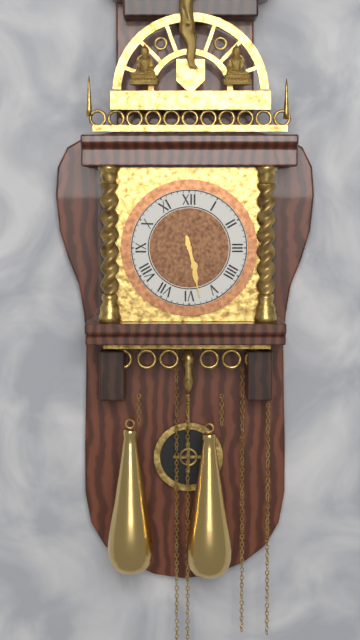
**5:28**
